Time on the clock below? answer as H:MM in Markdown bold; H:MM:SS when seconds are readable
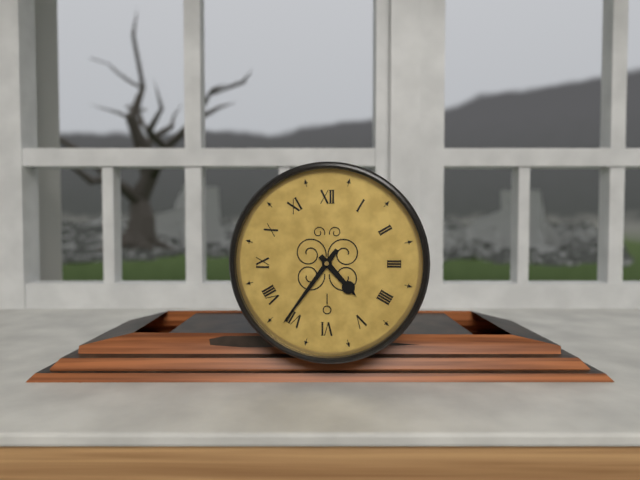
**4:36**
